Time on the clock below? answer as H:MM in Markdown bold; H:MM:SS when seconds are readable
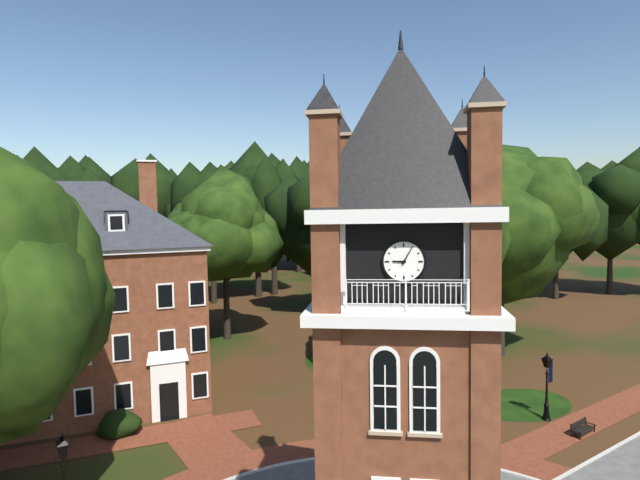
**9:05**
